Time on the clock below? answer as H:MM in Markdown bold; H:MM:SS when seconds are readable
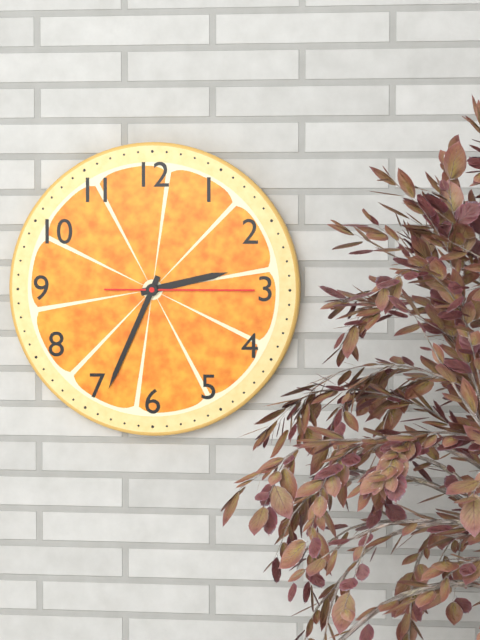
**2:34:15**
